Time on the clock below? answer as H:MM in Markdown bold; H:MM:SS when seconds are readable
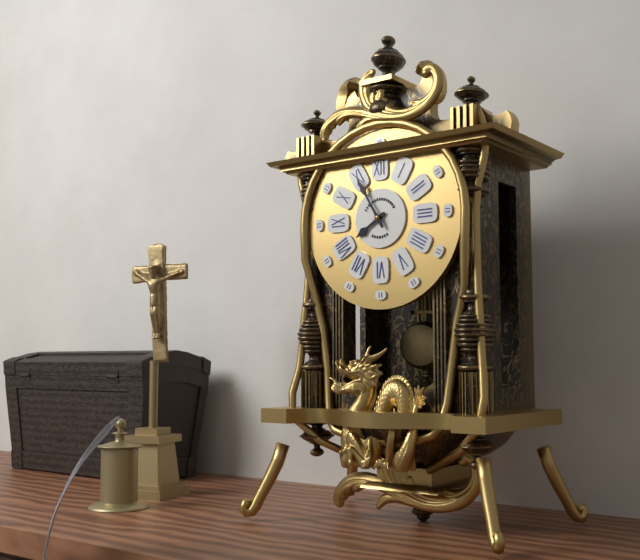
**7:55**
